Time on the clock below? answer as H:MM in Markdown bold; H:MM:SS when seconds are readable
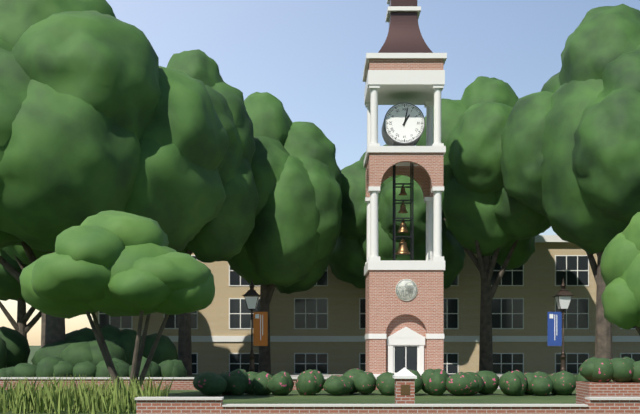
**1:02**
